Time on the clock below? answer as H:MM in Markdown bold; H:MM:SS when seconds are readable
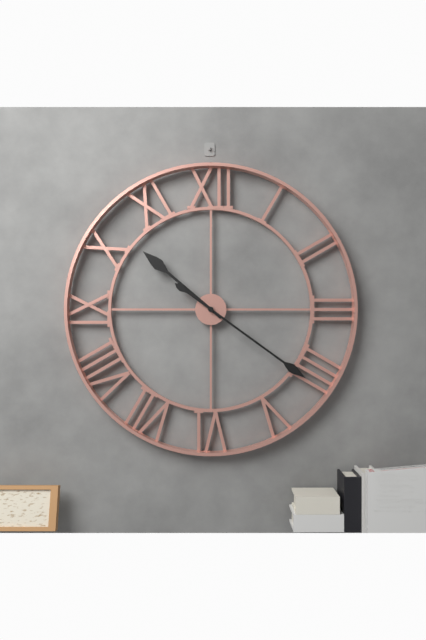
**10:21**
